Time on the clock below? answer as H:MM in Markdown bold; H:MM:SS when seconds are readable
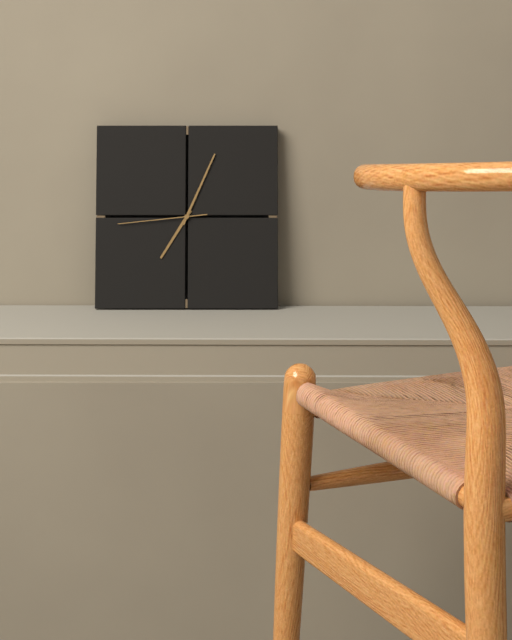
**7:04:44**
